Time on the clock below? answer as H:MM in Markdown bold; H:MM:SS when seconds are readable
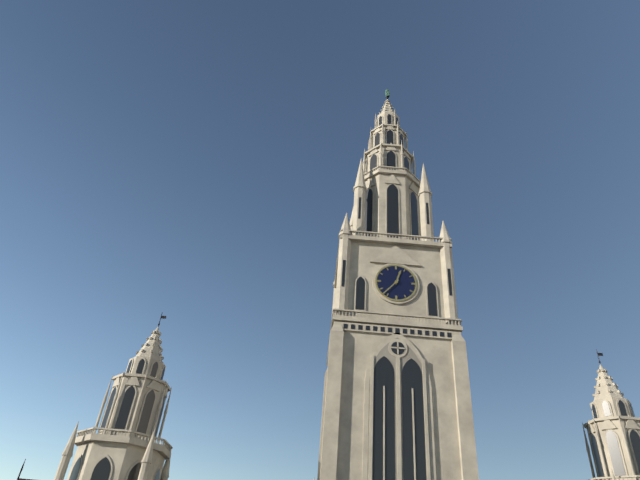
**12:37**
